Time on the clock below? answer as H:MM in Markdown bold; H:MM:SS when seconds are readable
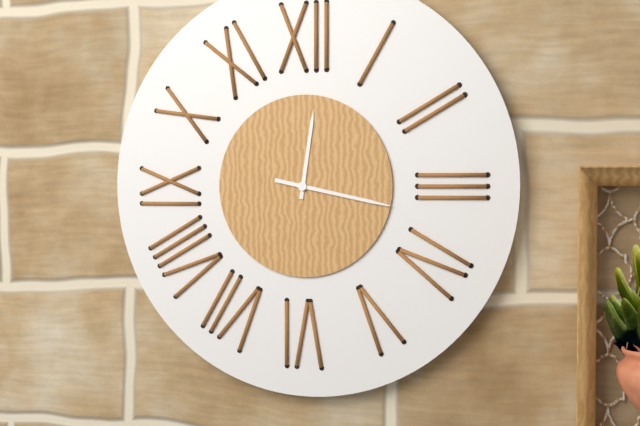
**12:17**
